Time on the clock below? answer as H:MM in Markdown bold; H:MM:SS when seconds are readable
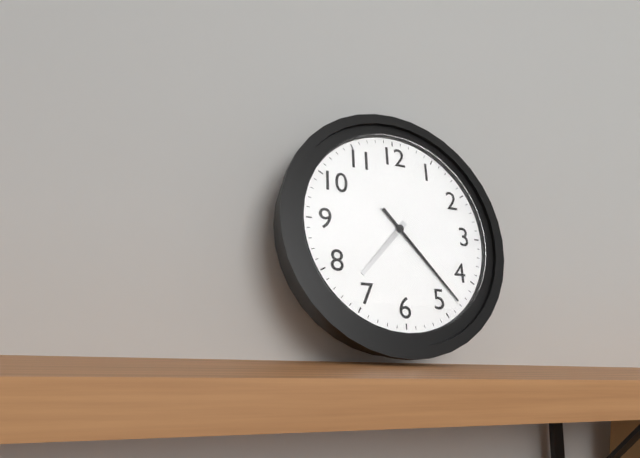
**7:23**
